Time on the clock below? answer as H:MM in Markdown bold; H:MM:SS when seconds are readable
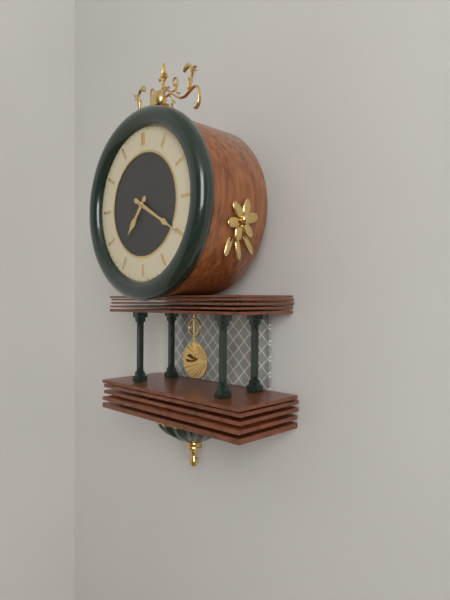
**7:20**
